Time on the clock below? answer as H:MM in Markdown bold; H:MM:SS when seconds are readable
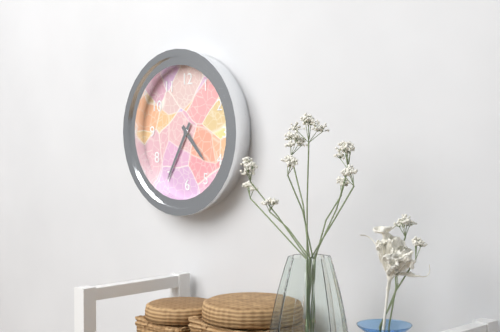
**4:35**
